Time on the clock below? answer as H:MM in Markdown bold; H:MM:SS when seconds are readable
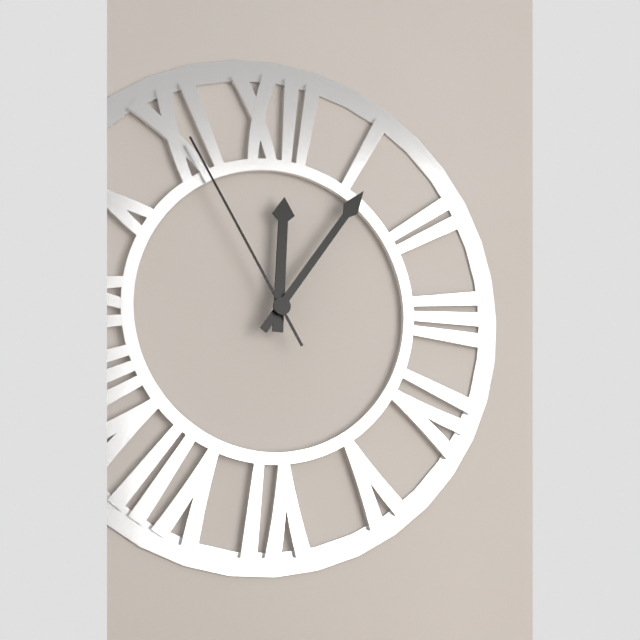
**12:06:55**
